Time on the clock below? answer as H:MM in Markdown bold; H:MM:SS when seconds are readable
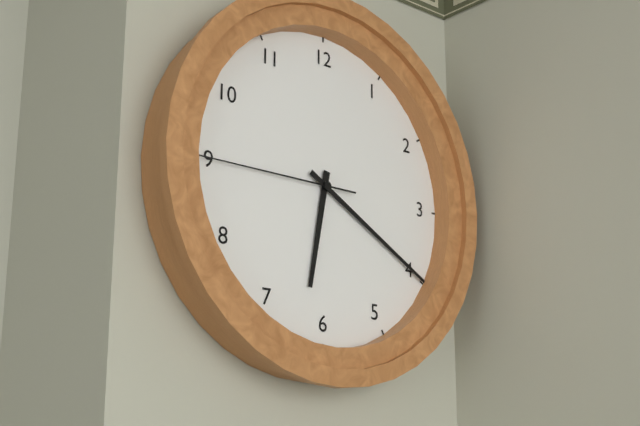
**6:20:45**
